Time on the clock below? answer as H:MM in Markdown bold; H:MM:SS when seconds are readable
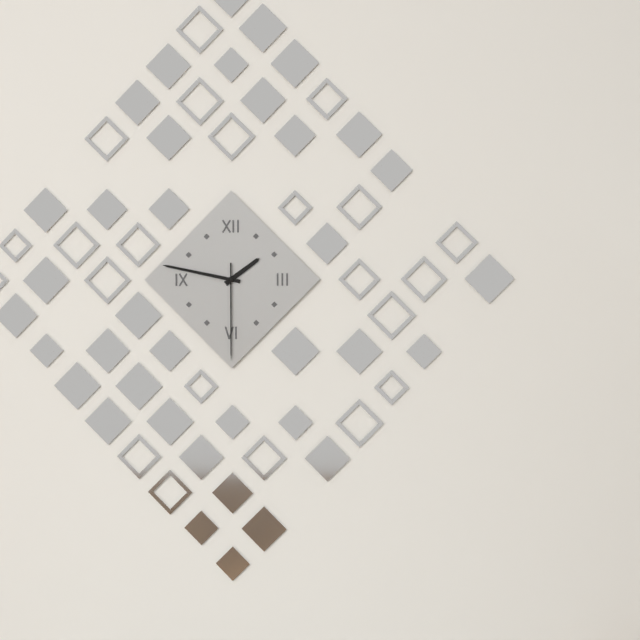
**1:47:30**
